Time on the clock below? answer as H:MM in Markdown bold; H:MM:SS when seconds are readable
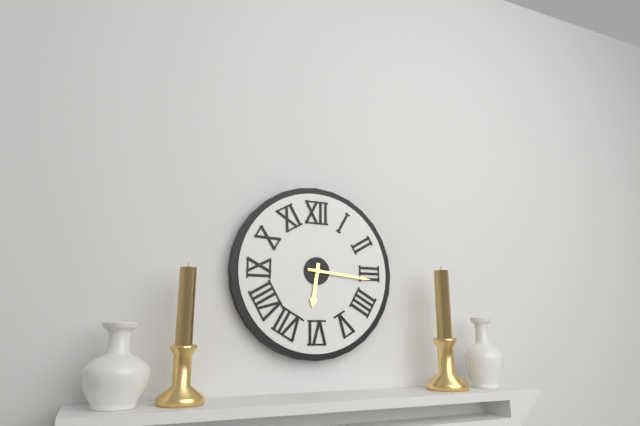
**6:16**
